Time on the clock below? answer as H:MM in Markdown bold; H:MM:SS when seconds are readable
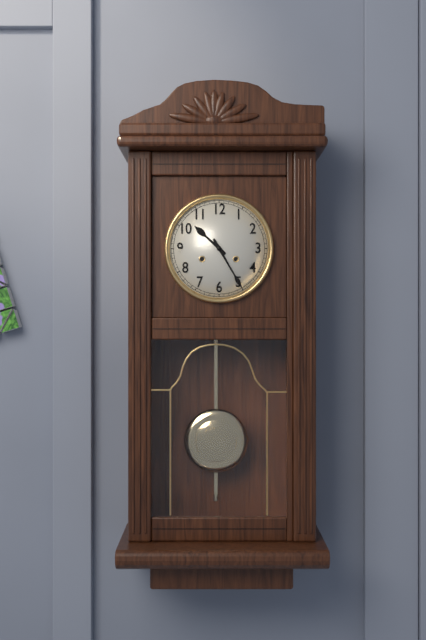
**10:25**
